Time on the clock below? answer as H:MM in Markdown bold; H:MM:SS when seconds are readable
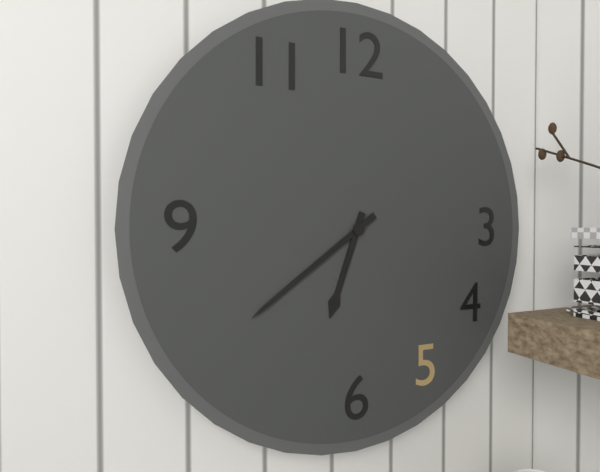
**6:39**
